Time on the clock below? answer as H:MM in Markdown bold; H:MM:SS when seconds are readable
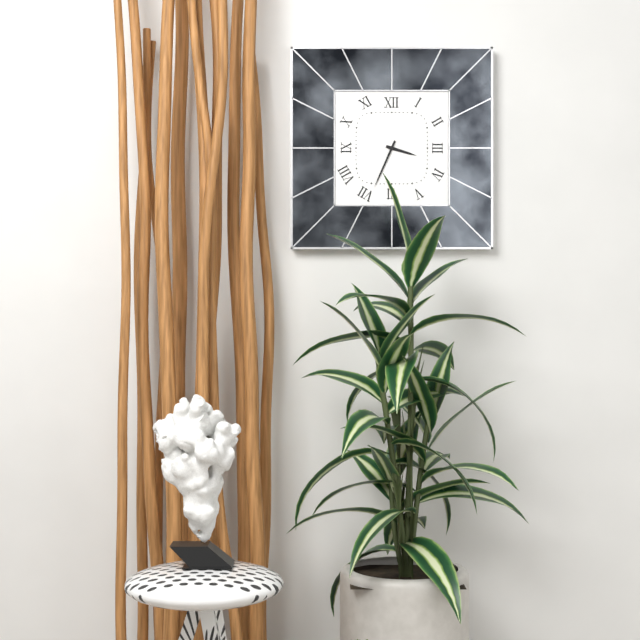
**3:34**
